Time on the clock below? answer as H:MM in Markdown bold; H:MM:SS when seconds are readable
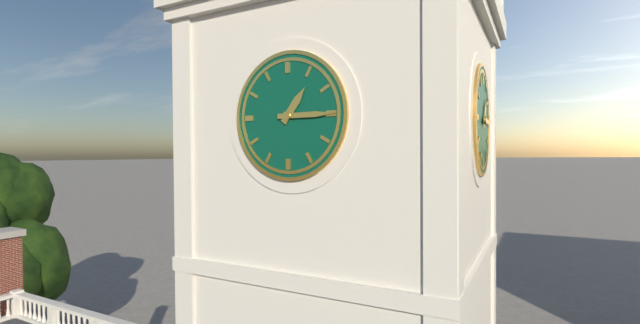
**1:15**
